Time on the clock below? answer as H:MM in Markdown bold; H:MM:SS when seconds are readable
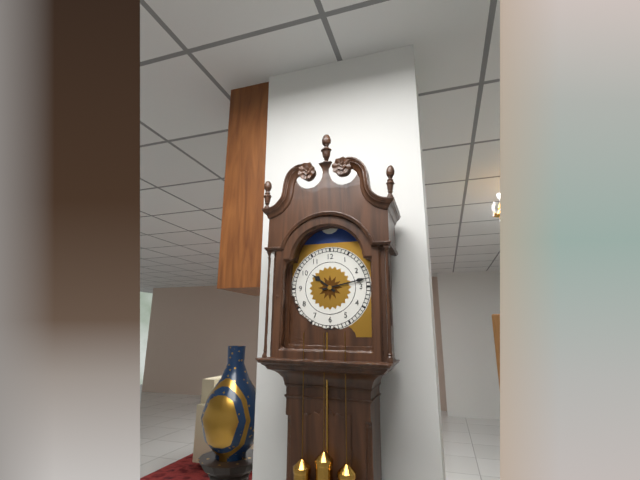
**10:13**
